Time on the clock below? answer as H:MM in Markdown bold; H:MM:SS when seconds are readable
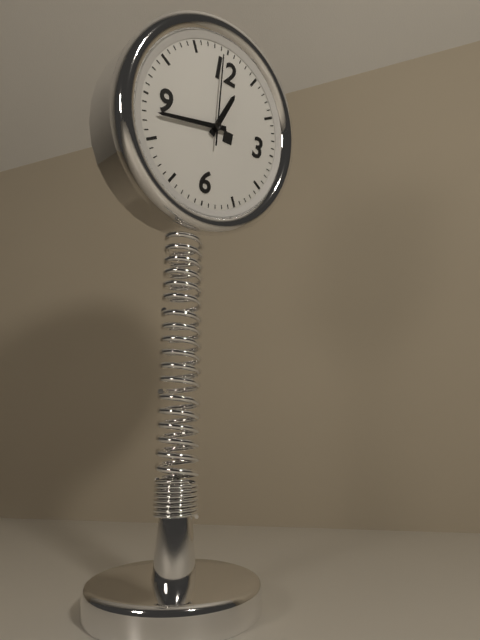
**12:43:59**
